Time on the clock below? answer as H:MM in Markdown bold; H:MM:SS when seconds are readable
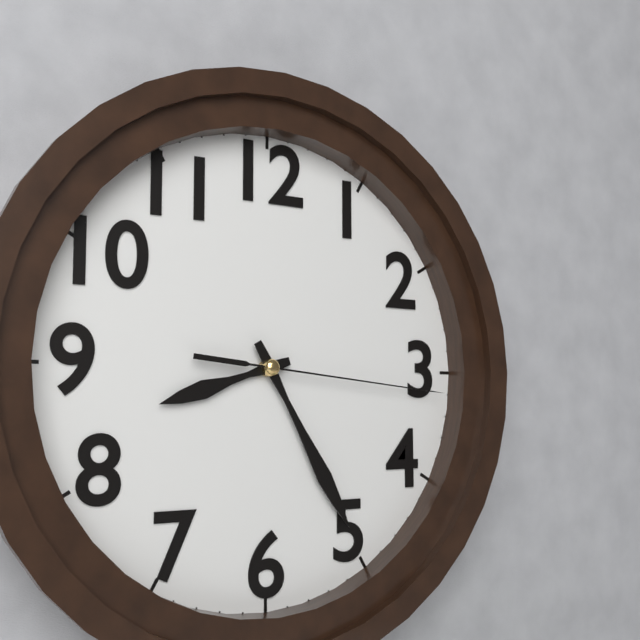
**8:25:16**
